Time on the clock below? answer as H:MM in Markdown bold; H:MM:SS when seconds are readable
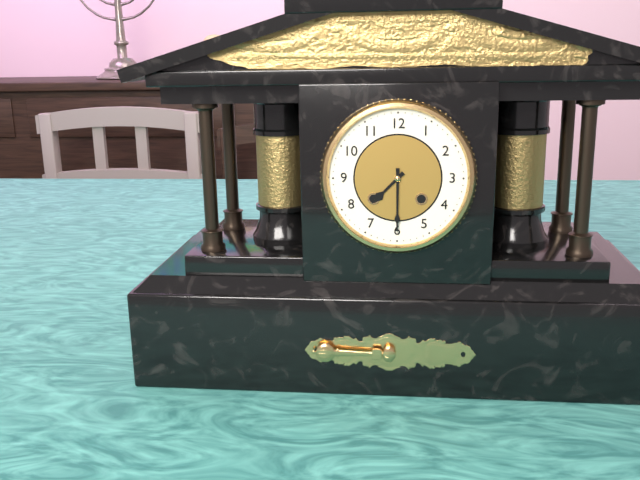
**7:30**
